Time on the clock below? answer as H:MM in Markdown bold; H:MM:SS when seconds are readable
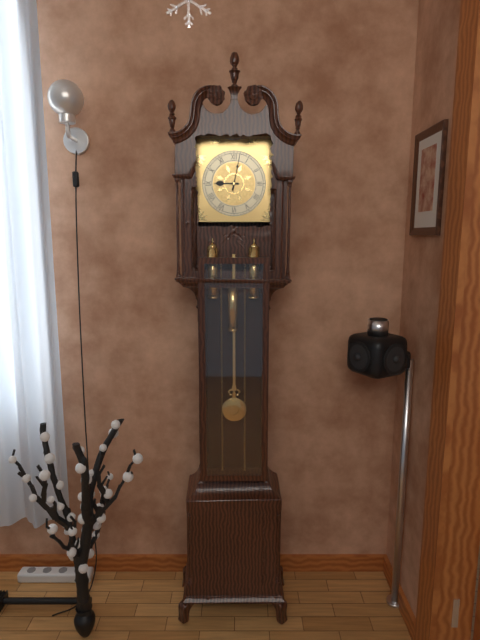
**9:02**
